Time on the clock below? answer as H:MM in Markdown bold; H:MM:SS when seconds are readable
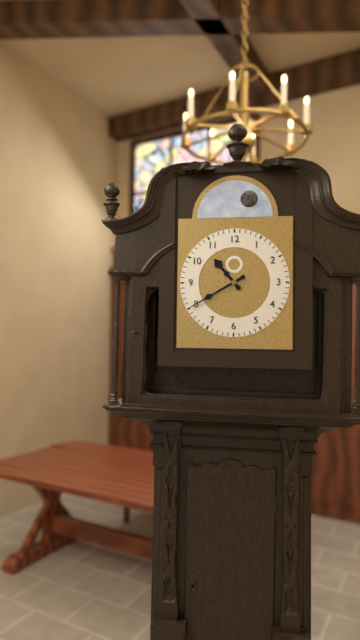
**10:40**
